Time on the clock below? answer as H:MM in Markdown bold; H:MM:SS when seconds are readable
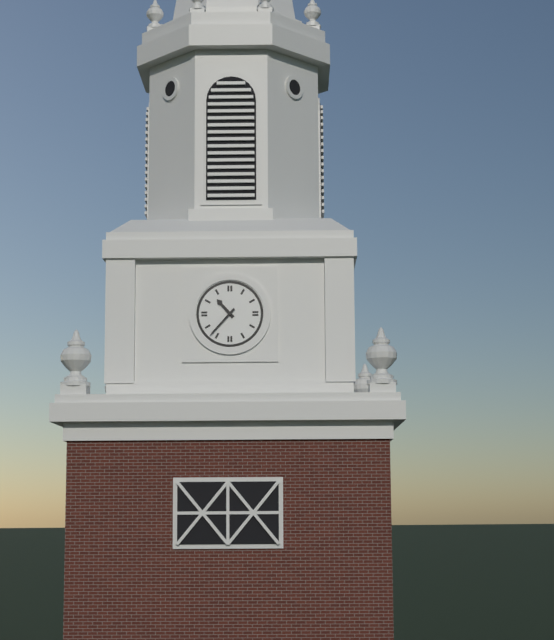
**10:37**
